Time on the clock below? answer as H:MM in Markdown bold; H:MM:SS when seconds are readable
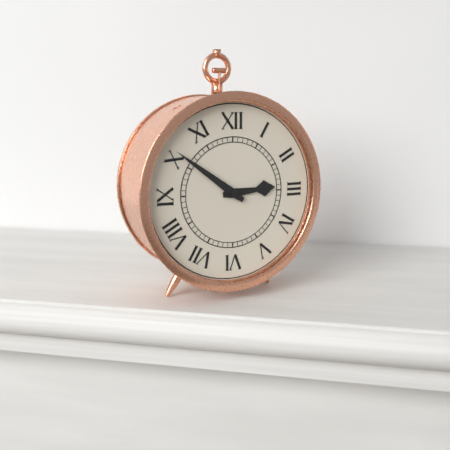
**2:51**
